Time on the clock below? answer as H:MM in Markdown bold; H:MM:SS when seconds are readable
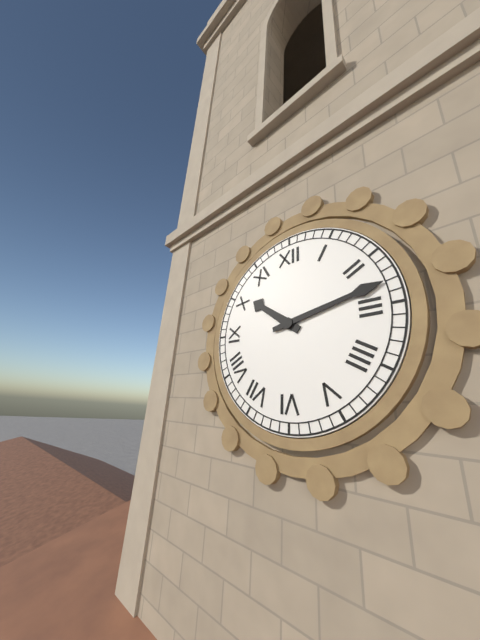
**10:13**
